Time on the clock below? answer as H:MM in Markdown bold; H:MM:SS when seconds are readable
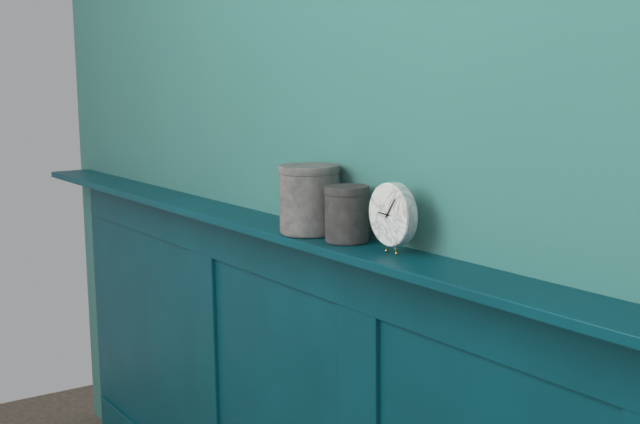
**9:06**
